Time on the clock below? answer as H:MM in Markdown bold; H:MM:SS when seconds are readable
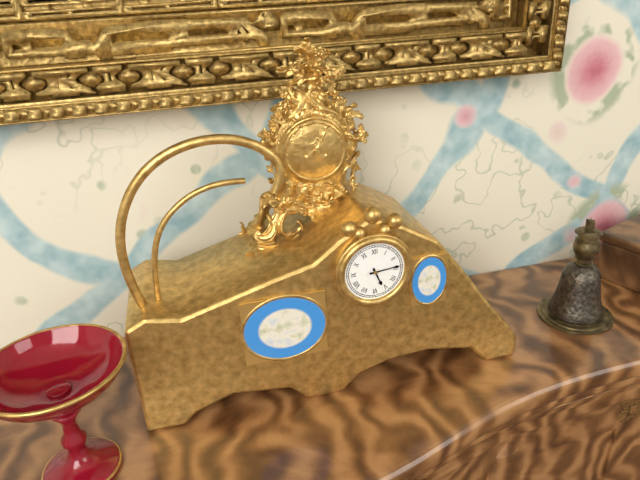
**5:14**
